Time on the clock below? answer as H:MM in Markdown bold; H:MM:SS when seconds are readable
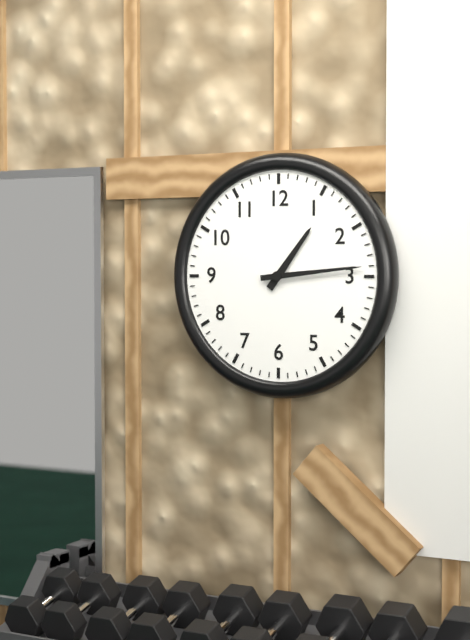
**1:14**
